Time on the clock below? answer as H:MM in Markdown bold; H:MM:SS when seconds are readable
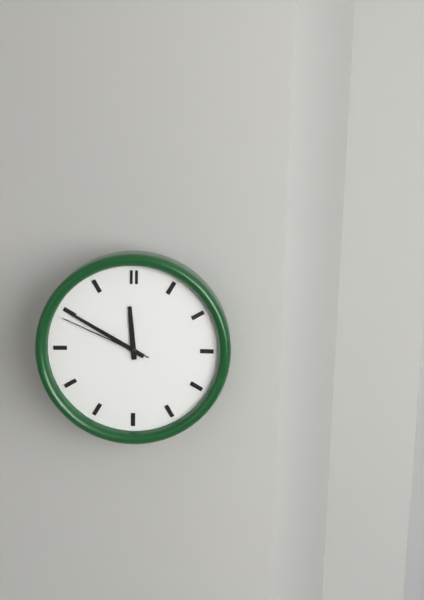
**11:50:49**
